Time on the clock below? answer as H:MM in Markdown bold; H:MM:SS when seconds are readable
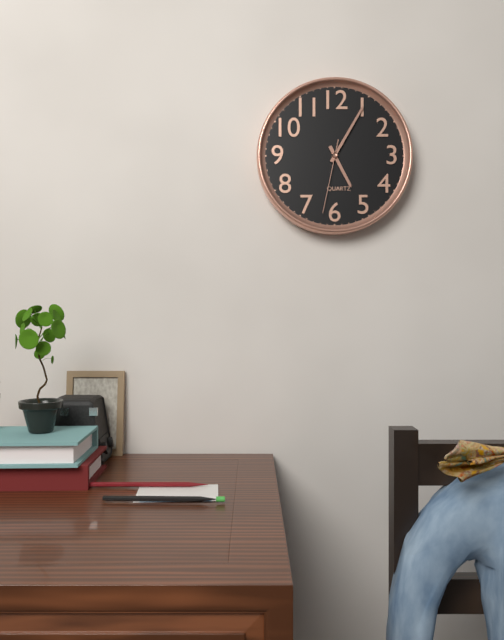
**5:05:32**
